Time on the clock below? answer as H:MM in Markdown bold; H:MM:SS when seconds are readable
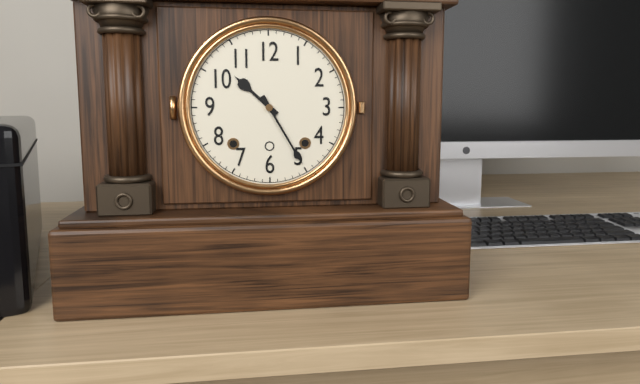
**10:25**
